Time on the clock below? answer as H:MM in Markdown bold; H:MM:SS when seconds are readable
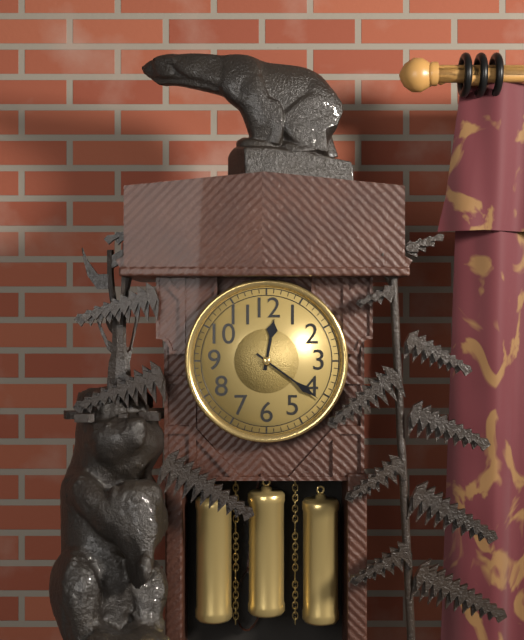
**12:21**
